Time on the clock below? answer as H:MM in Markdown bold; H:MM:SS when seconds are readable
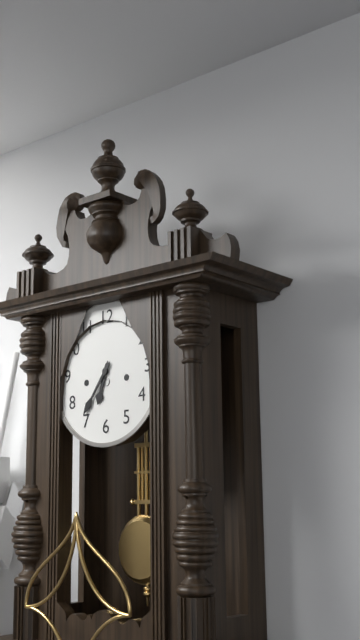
**6:36**
